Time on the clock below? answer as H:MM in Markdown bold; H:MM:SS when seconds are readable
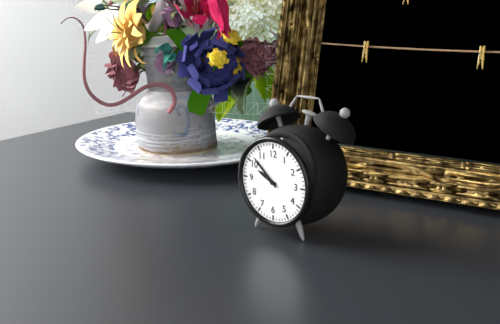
**9:52**
